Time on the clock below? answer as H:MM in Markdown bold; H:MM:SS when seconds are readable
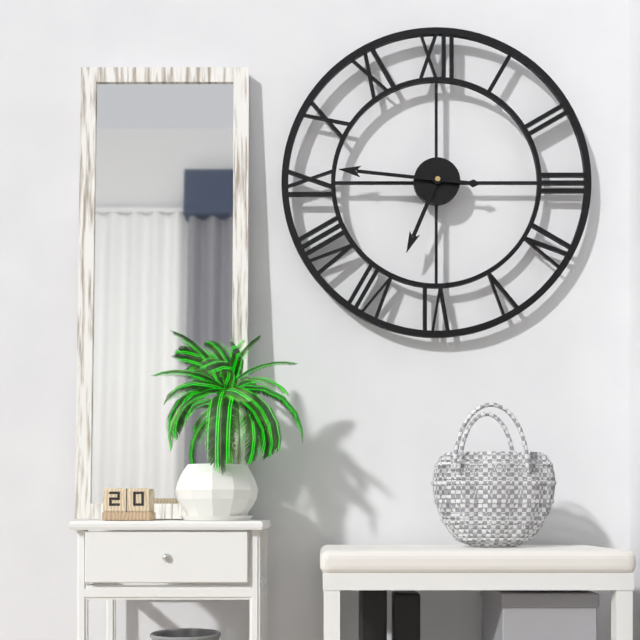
**6:46**
